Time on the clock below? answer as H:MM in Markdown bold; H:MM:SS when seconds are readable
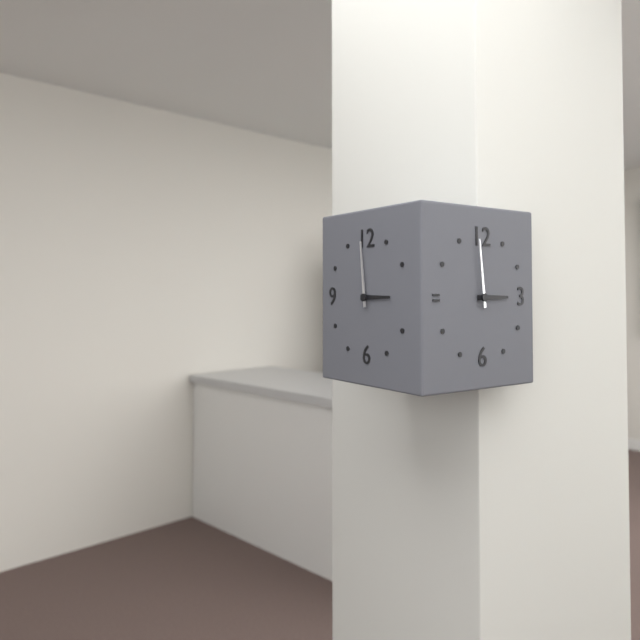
**2:59**
